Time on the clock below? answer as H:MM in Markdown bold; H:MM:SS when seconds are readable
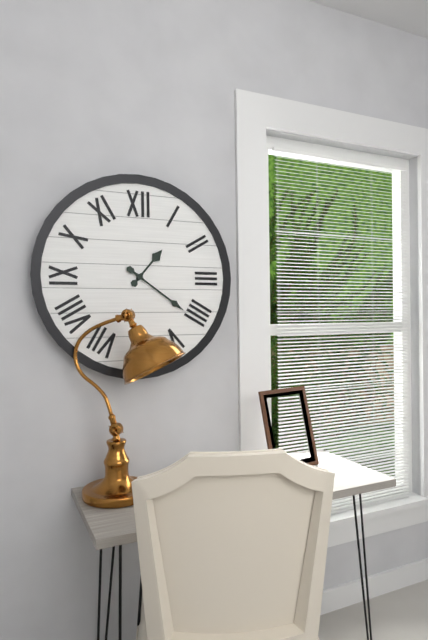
**1:21**
